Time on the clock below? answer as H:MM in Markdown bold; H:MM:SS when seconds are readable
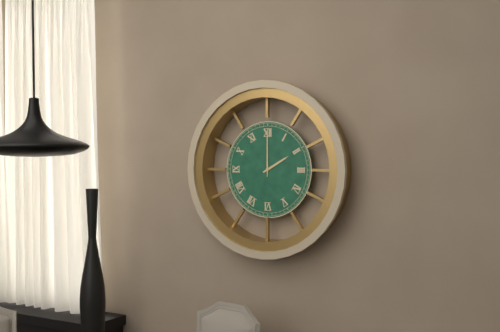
**2:00**
